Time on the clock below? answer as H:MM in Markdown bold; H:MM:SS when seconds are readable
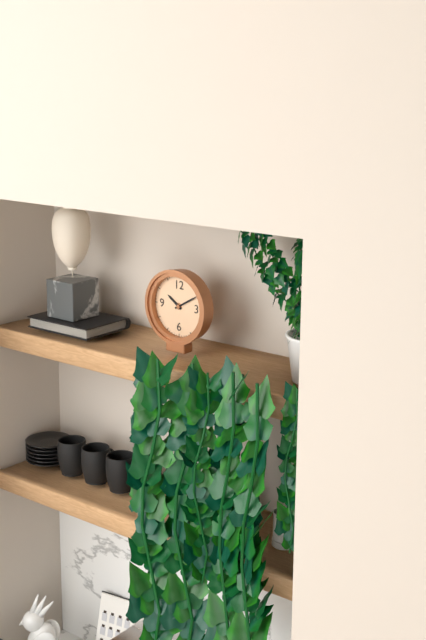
**10:10**
